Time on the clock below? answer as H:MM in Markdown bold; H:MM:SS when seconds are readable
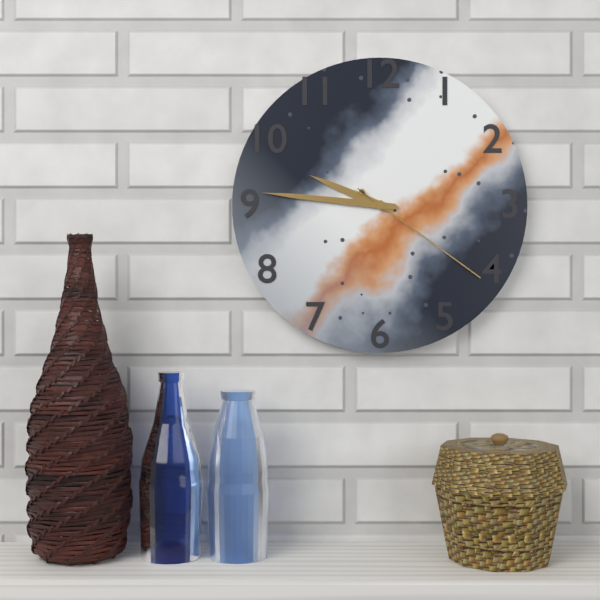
**9:46:21**
